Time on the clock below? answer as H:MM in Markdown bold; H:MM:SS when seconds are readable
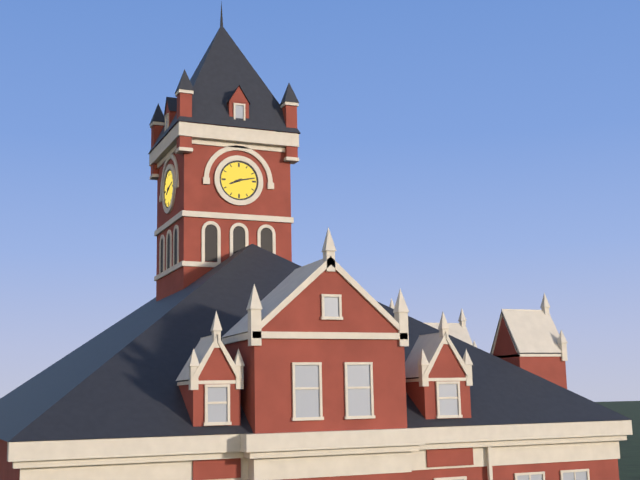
**8:13**
